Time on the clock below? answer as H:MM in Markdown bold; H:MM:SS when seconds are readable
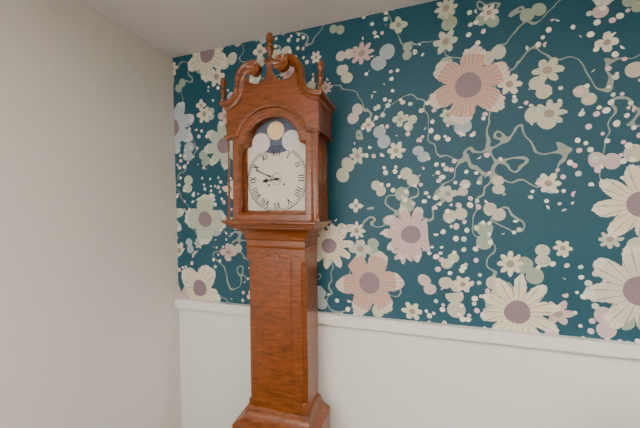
**8:49**
